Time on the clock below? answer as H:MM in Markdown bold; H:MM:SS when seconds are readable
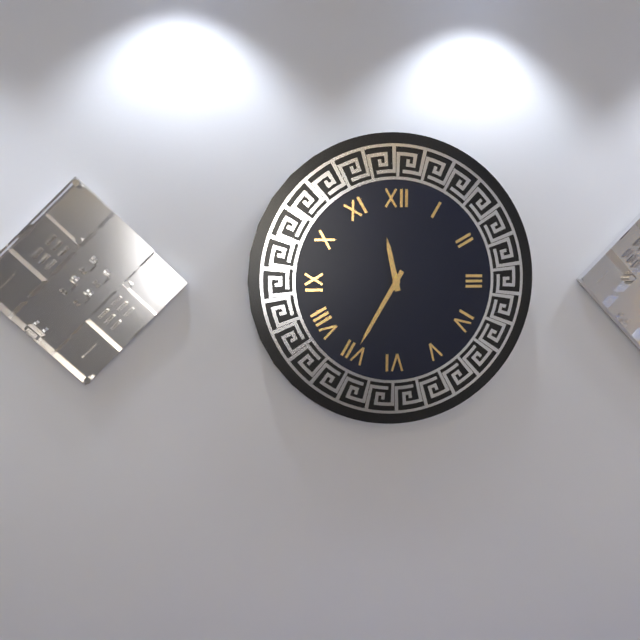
**11:35**
